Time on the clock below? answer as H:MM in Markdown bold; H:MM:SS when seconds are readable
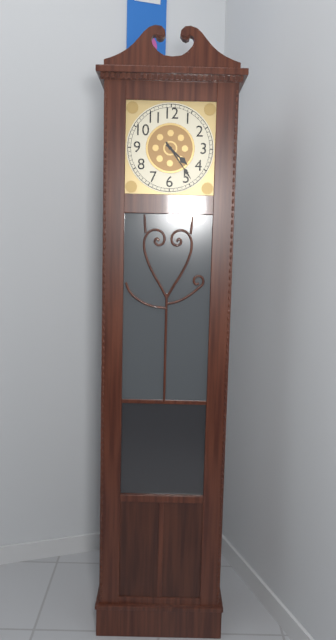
**4:24**
